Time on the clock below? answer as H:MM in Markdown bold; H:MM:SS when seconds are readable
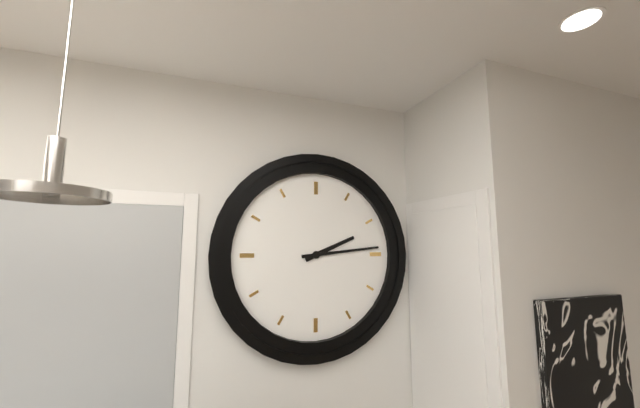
**2:14**
